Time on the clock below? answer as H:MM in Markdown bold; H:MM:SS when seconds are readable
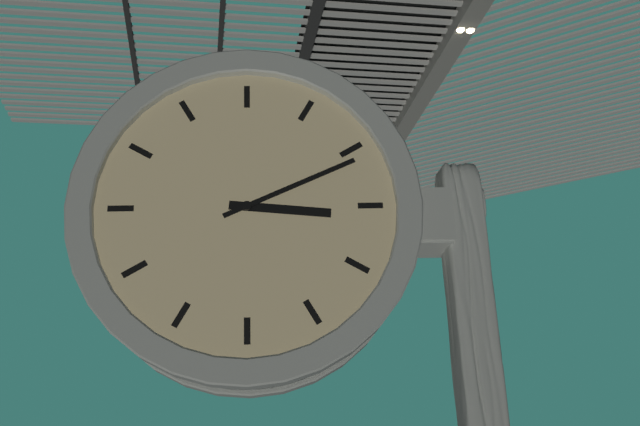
**3:11**
